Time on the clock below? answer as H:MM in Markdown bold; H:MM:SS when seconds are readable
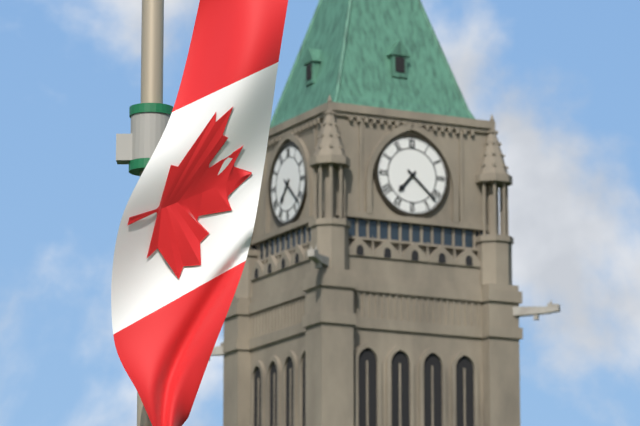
**7:22**
